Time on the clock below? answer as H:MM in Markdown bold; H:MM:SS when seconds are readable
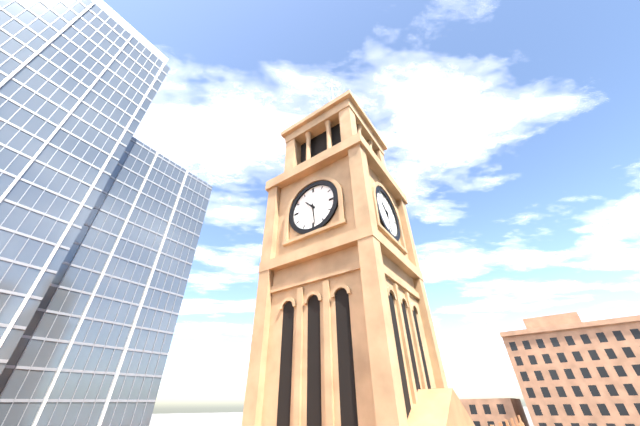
**10:29**
